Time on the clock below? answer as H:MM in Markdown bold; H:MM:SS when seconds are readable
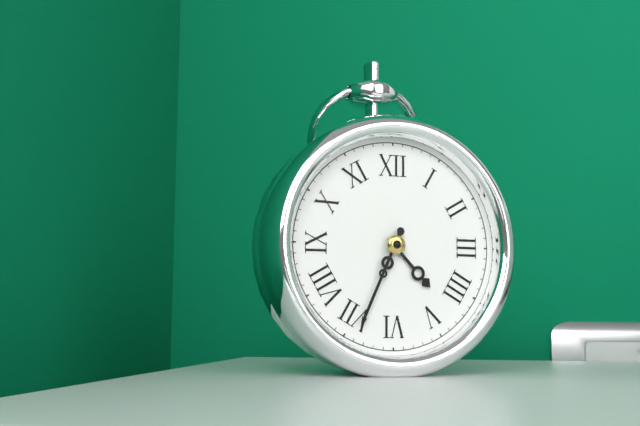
**4:34**
